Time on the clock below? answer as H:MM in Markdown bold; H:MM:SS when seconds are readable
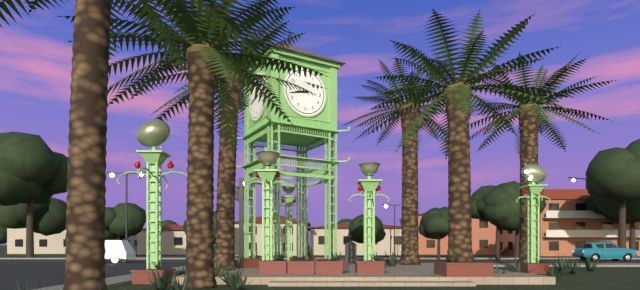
**8:43**
